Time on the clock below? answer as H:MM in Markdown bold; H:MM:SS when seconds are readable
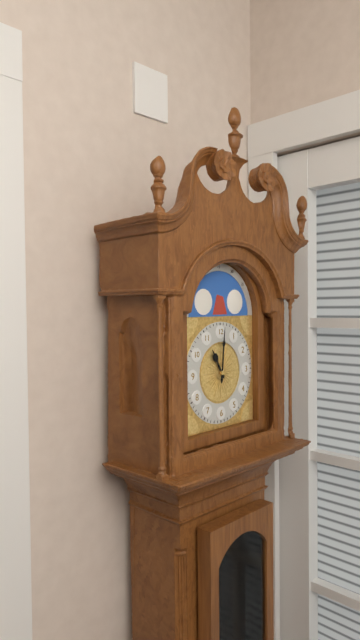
**11:01**
